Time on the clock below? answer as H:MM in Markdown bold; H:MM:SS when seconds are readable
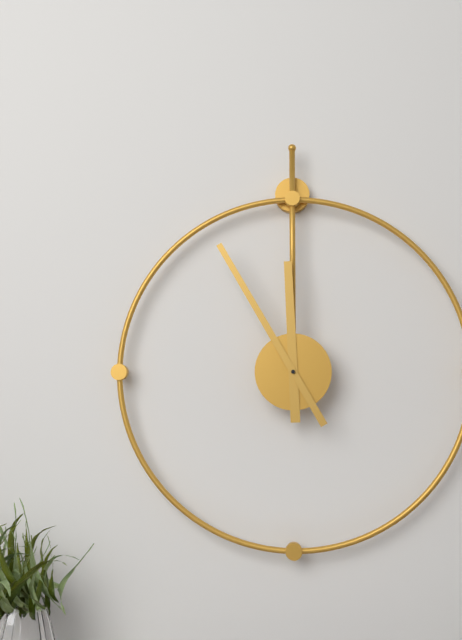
**11:55**
